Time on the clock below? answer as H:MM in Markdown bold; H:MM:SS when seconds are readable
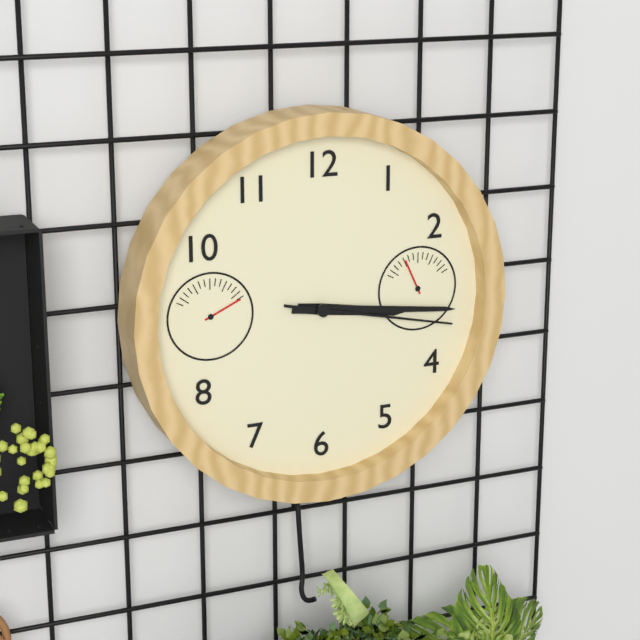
**3:16:17**
